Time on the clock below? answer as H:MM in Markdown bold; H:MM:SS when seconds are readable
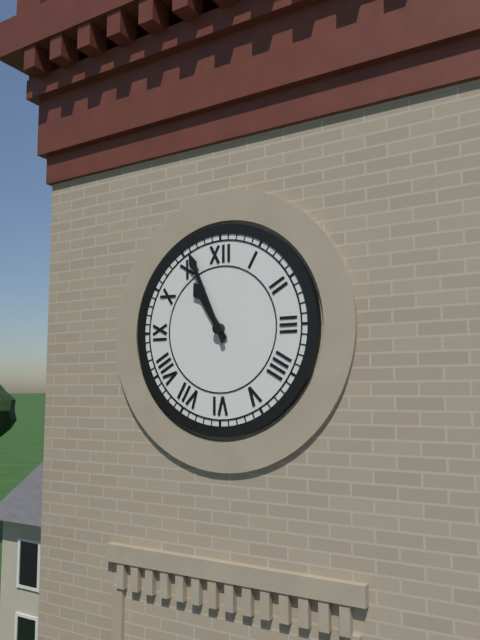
**10:56**
